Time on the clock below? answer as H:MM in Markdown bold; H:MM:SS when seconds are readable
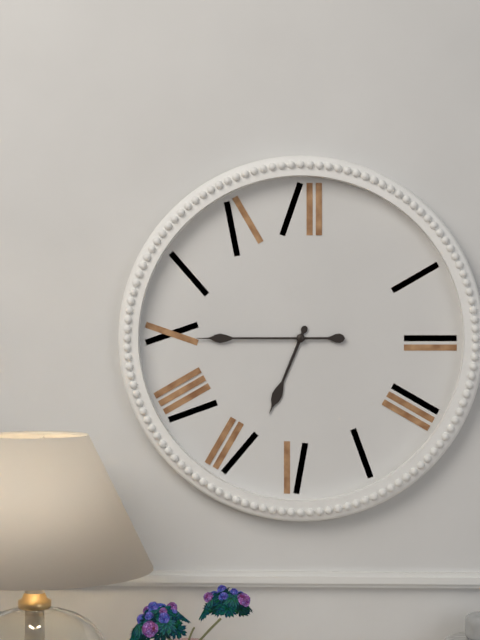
**6:45**
